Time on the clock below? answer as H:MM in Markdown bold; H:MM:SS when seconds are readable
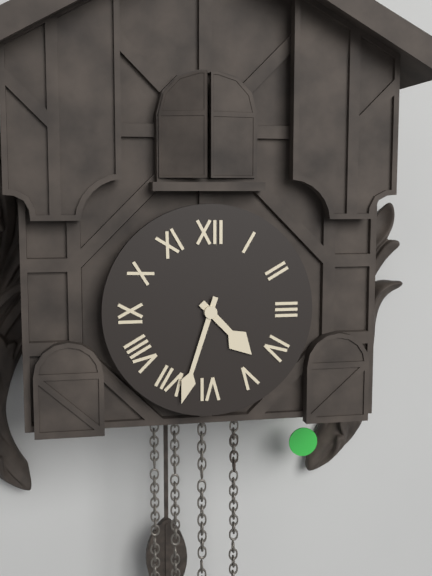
**4:33**
